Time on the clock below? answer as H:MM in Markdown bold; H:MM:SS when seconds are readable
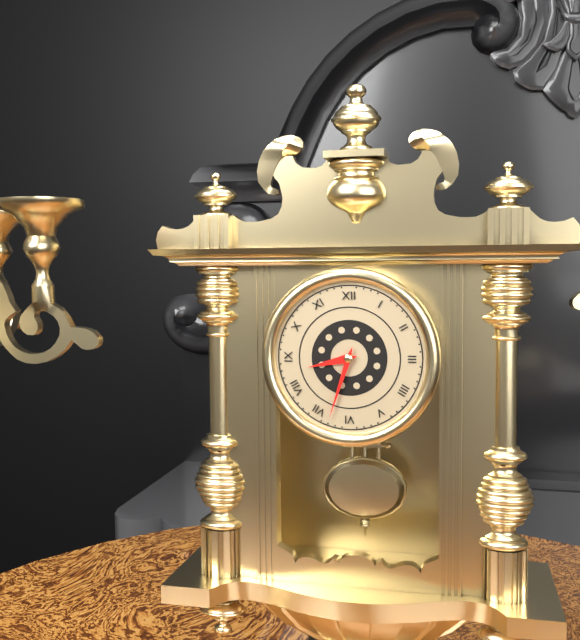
**8:33**
